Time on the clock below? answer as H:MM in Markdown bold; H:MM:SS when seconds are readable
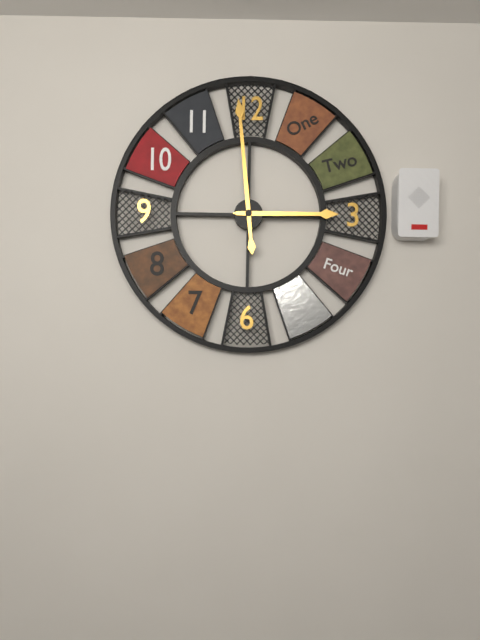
**2:59**
